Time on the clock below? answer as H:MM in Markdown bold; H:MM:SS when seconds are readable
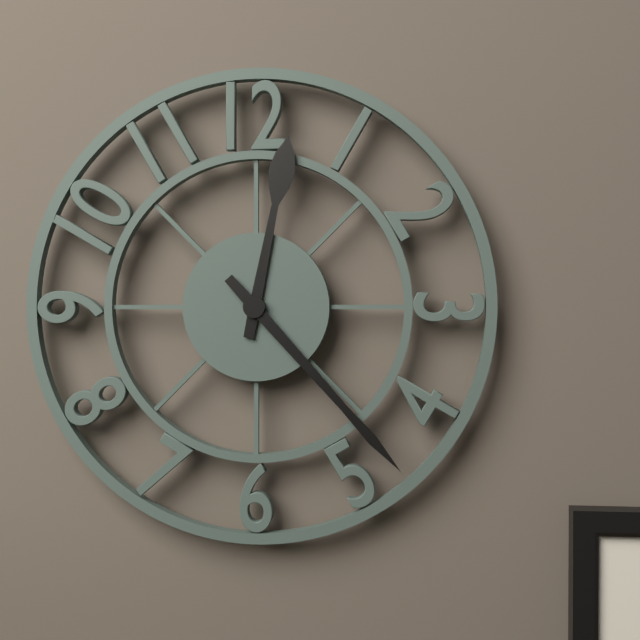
**12:23**
